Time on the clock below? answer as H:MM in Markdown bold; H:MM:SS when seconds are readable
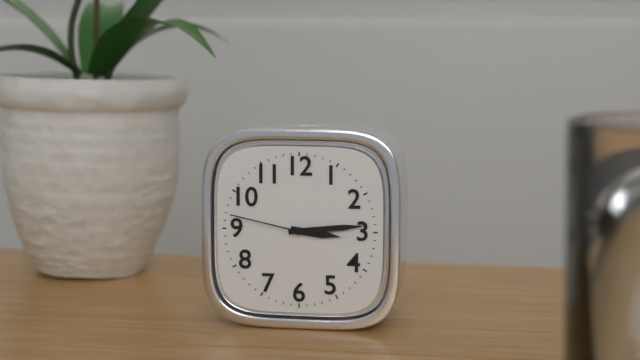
**3:14:47**
